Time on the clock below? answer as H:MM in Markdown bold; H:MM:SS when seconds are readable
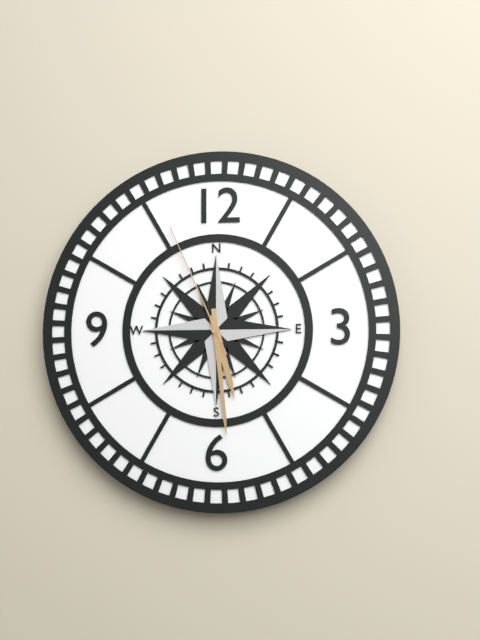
**5:29:56**
